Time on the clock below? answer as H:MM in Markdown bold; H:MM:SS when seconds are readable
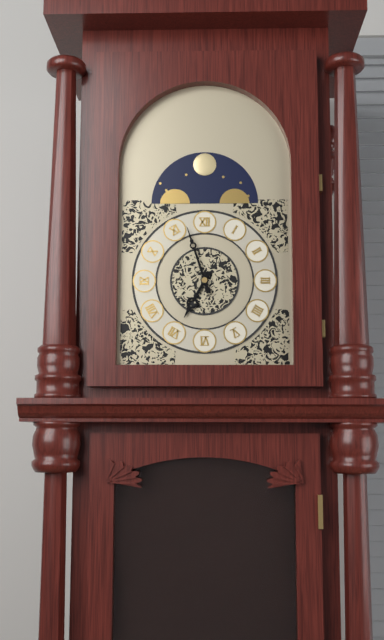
**6:57**
